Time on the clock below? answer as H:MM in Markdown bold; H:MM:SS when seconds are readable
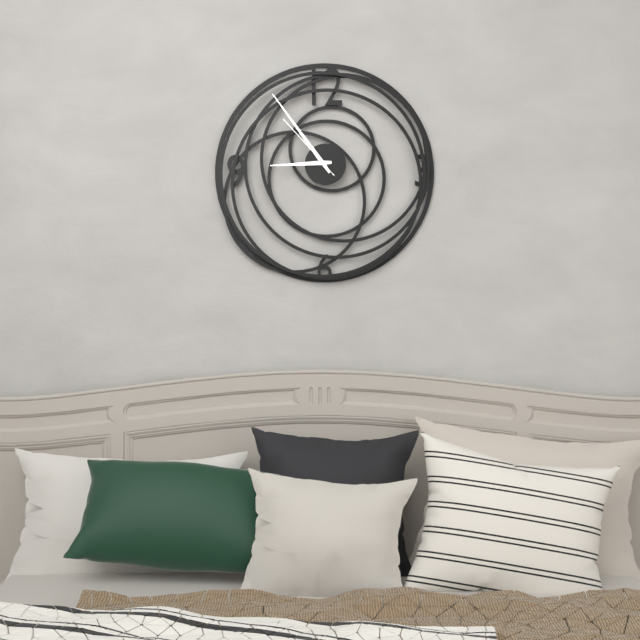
**8:54:53**
